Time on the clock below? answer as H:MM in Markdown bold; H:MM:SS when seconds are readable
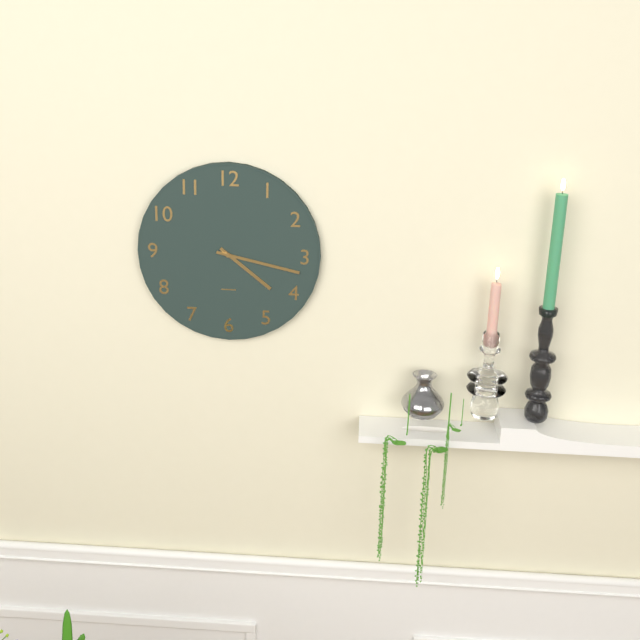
**4:17**
